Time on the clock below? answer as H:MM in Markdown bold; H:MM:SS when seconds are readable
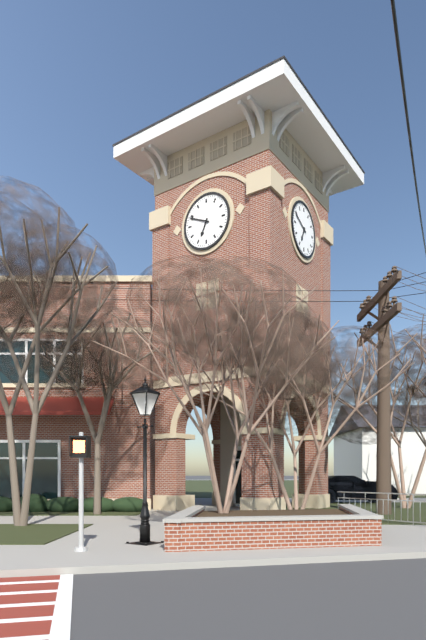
**6:49**
